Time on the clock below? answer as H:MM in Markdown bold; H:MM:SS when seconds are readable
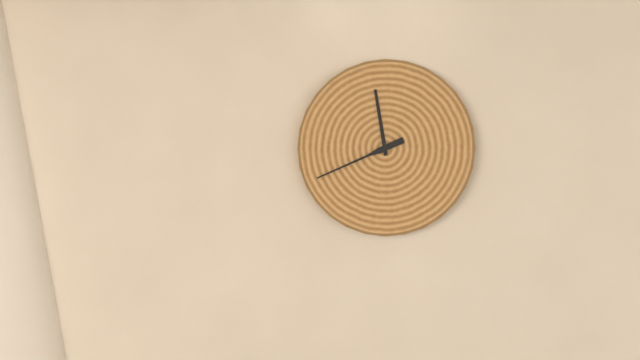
**11:41**
